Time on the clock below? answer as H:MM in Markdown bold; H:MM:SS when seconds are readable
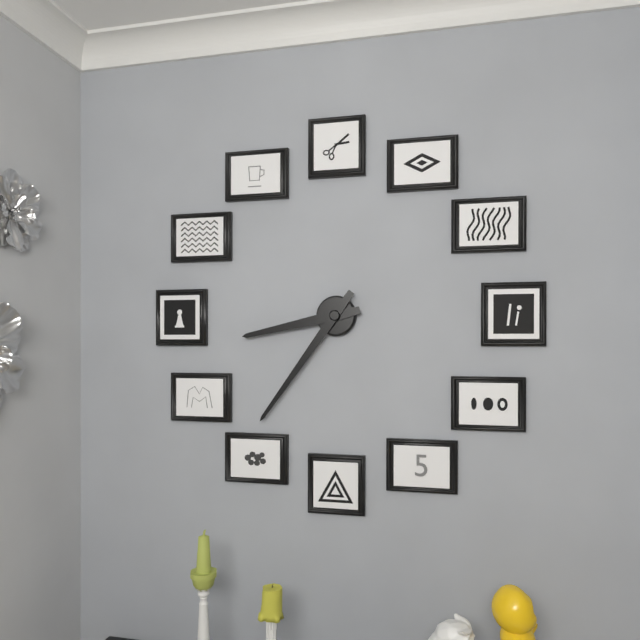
**8:36**
